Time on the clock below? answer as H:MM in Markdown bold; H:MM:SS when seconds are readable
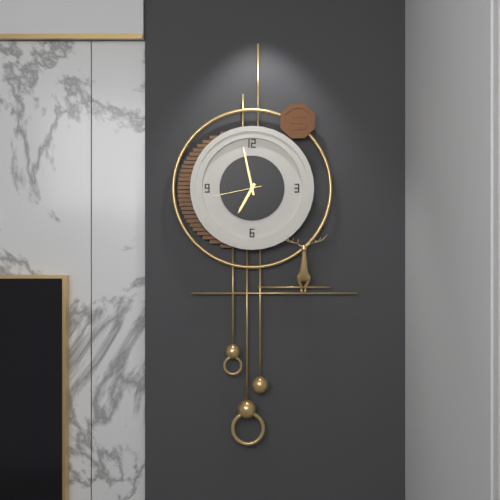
**6:58**
